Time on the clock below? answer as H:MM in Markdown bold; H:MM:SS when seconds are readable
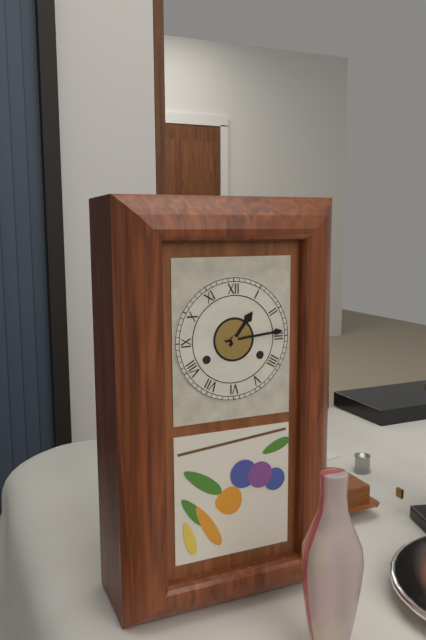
**1:14**
